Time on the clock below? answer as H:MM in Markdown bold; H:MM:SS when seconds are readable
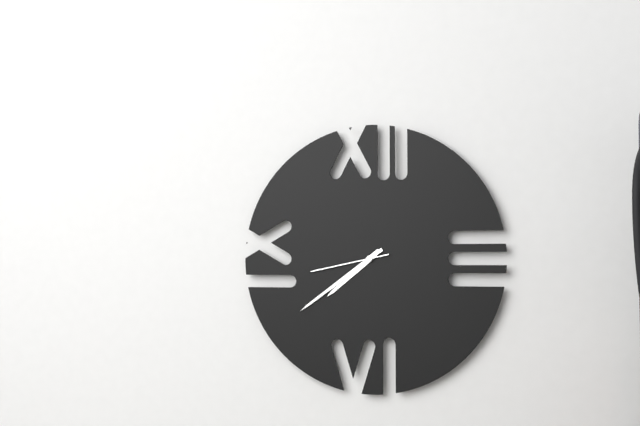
**7:39:43**
